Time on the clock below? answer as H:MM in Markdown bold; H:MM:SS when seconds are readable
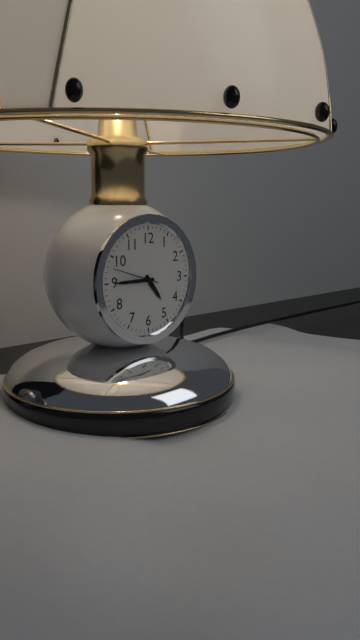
**4:45**
